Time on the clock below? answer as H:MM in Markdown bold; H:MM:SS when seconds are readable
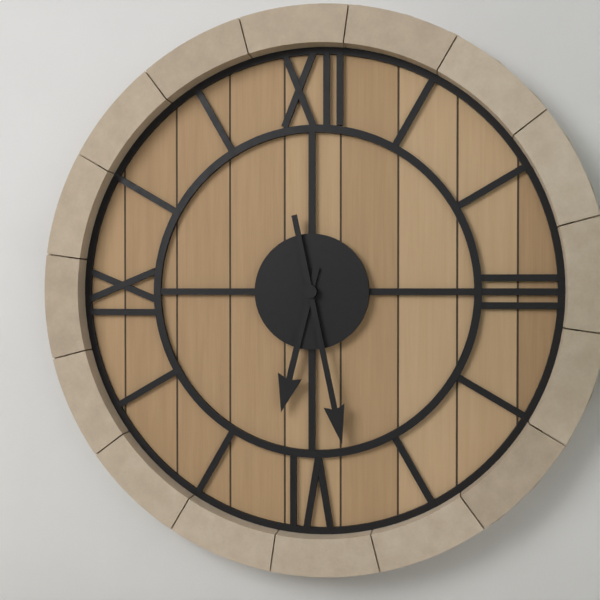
**6:28**
